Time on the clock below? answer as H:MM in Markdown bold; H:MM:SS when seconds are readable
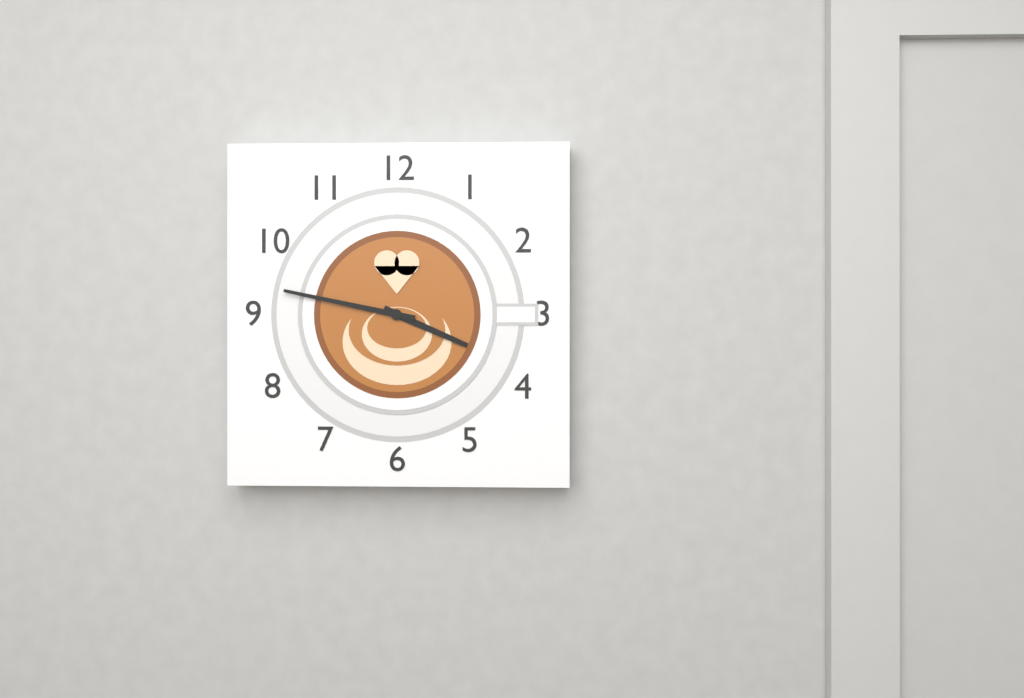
**3:47**
